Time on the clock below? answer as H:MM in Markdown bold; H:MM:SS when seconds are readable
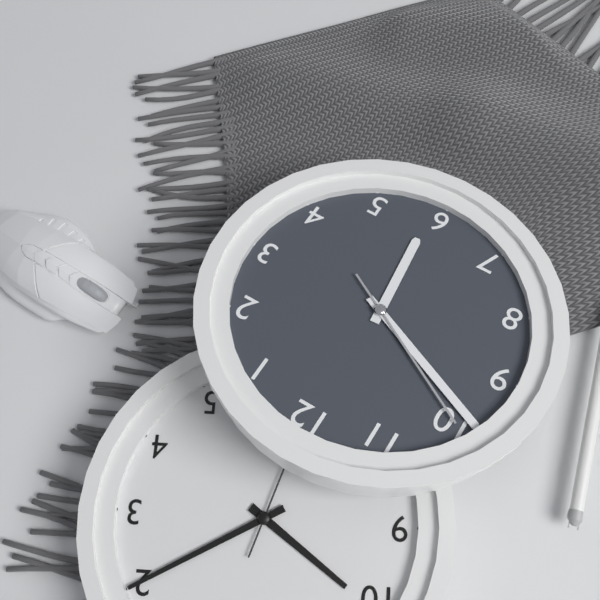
**5:49:50**
